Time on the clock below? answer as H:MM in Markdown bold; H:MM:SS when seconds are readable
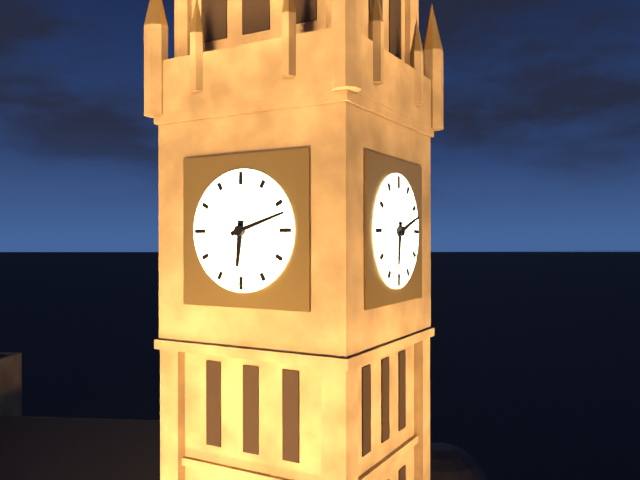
**6:12**
